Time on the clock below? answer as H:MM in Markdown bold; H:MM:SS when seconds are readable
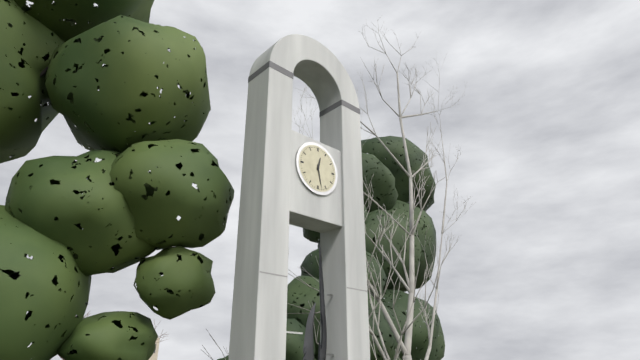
**12:28**
